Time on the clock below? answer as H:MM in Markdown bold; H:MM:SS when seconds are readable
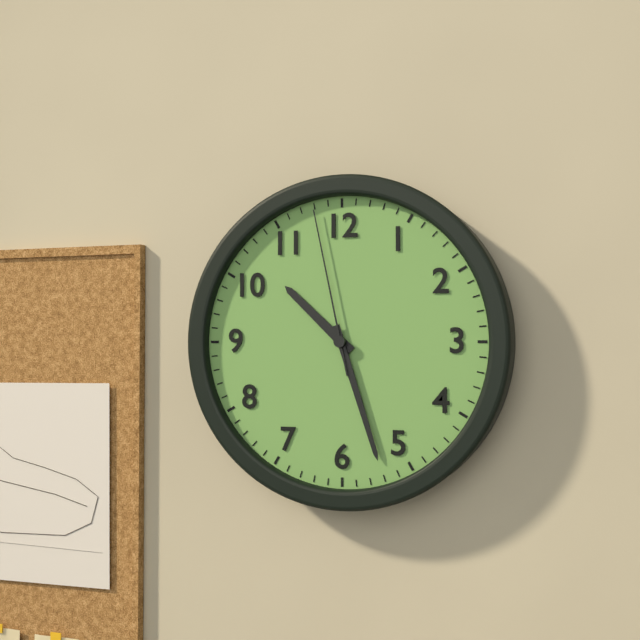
**10:27:58**
